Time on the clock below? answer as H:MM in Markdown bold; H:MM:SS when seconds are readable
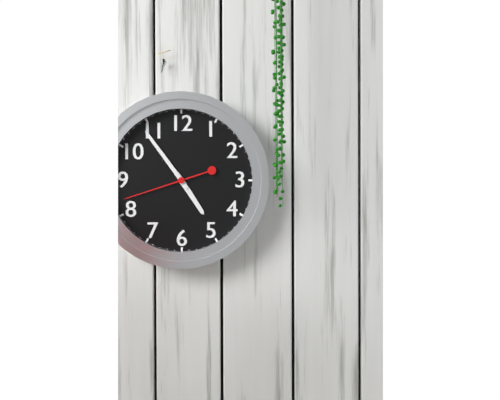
**4:54:42**
